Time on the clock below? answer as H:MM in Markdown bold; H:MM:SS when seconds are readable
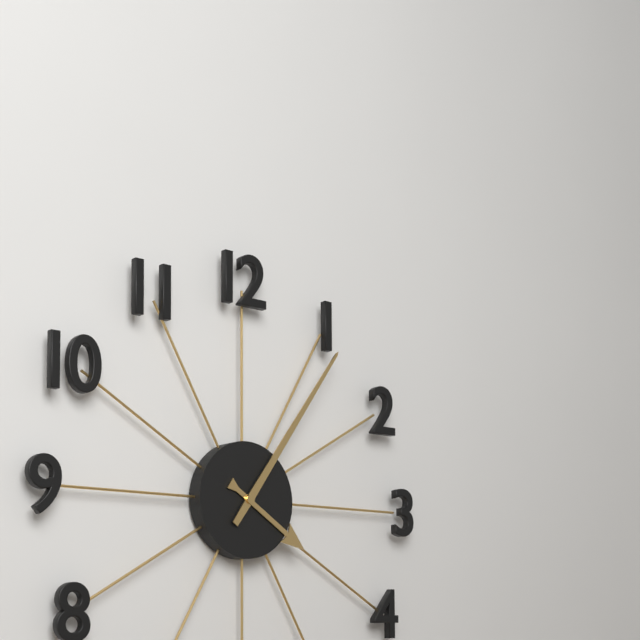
**4:06**
